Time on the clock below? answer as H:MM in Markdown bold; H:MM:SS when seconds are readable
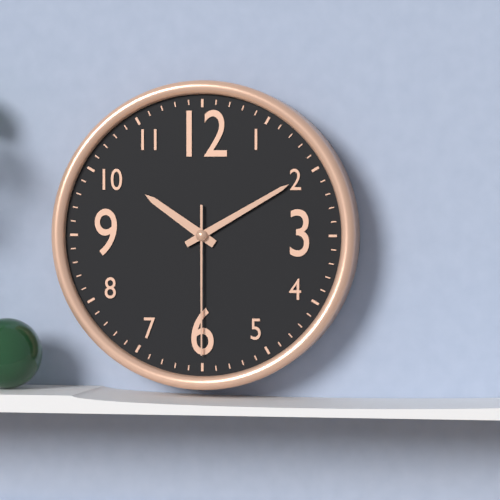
**10:10:30**
